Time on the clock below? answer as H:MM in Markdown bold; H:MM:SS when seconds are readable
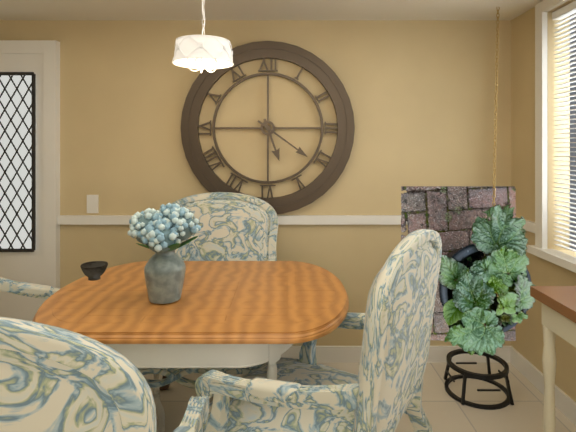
**5:21**
